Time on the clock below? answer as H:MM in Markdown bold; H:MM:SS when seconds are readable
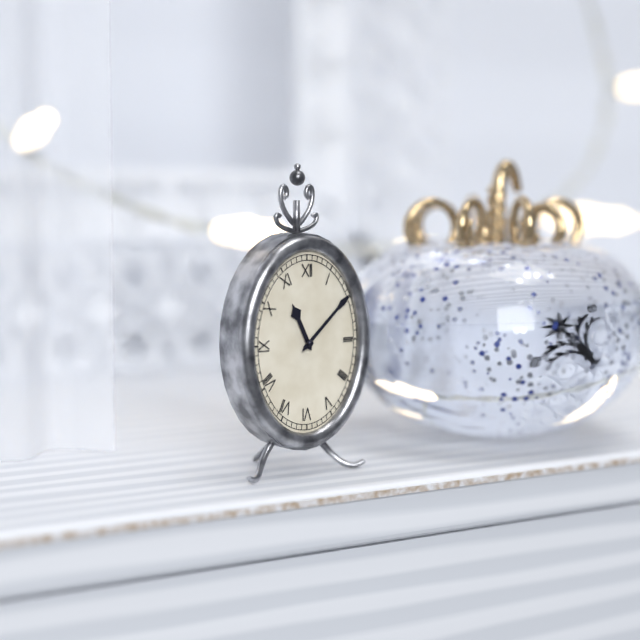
**11:08**
